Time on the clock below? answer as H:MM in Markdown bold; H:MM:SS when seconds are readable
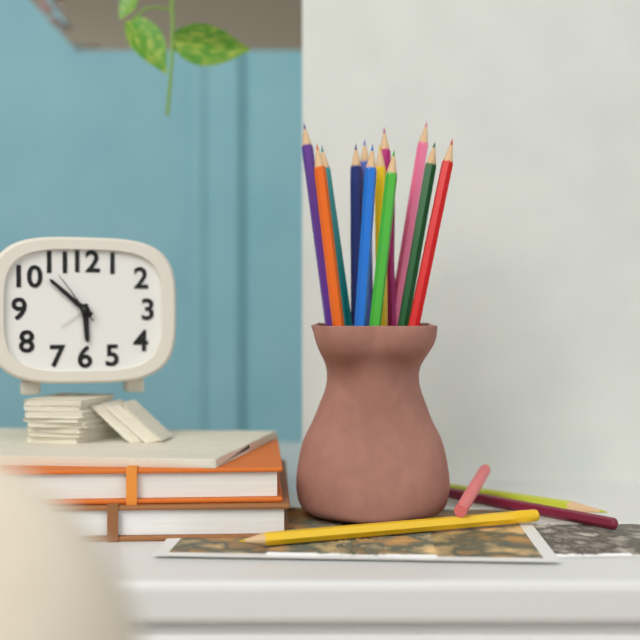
**5:52:54**
